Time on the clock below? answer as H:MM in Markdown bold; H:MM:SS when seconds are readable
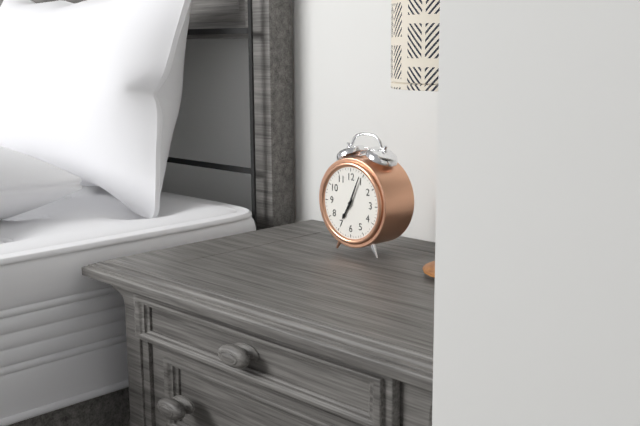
**7:04**
